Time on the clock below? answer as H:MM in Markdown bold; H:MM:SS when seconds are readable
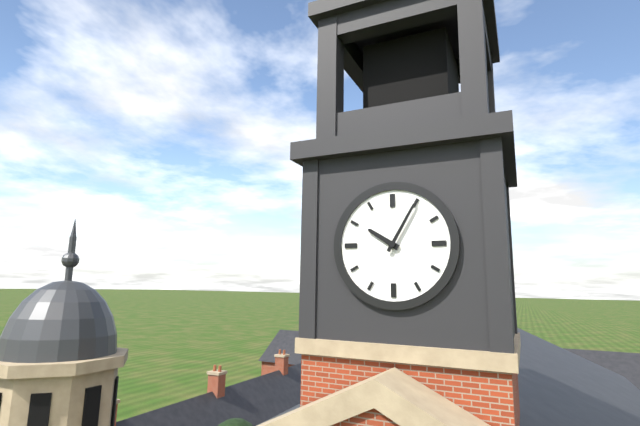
**10:05**
